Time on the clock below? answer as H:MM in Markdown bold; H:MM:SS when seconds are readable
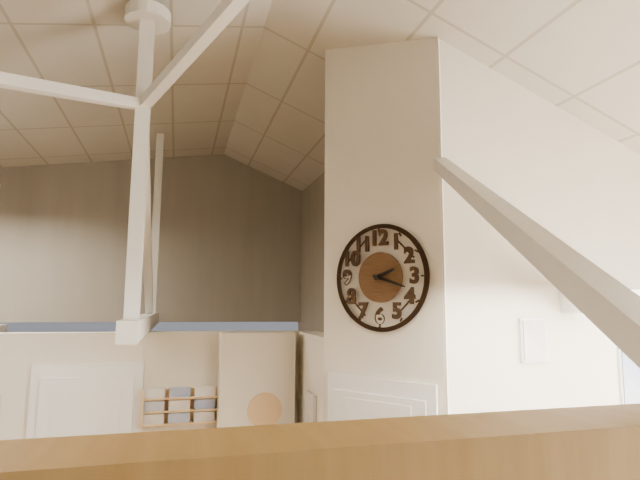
**2:18**
